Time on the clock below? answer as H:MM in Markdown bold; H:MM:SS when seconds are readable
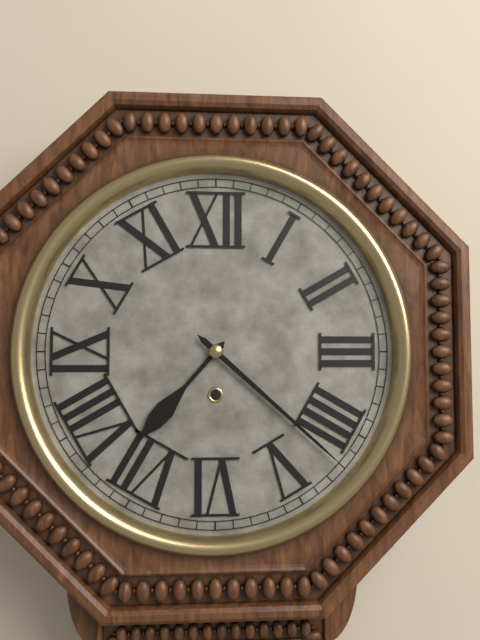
**7:22**
